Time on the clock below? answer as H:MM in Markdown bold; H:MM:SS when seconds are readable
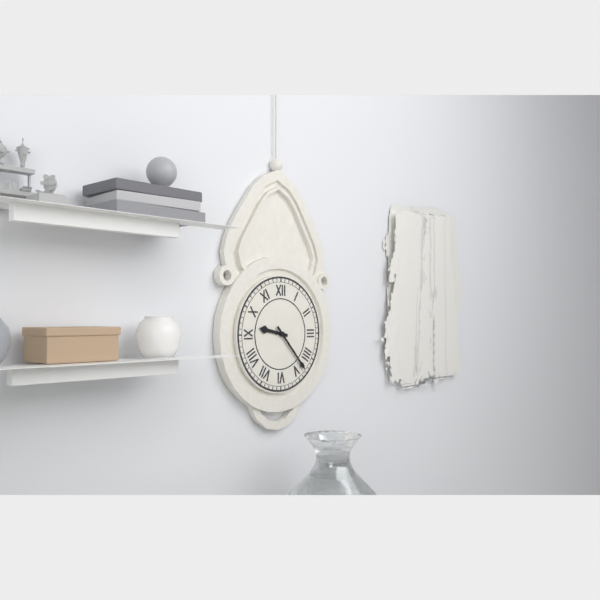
**9:23**
